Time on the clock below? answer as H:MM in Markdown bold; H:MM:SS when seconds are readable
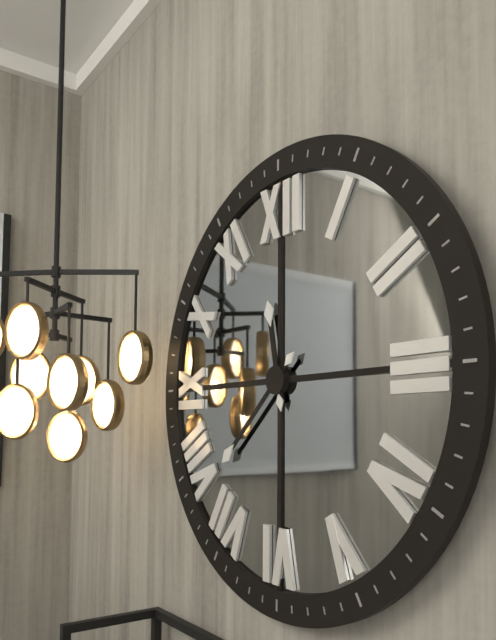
**11:38**
